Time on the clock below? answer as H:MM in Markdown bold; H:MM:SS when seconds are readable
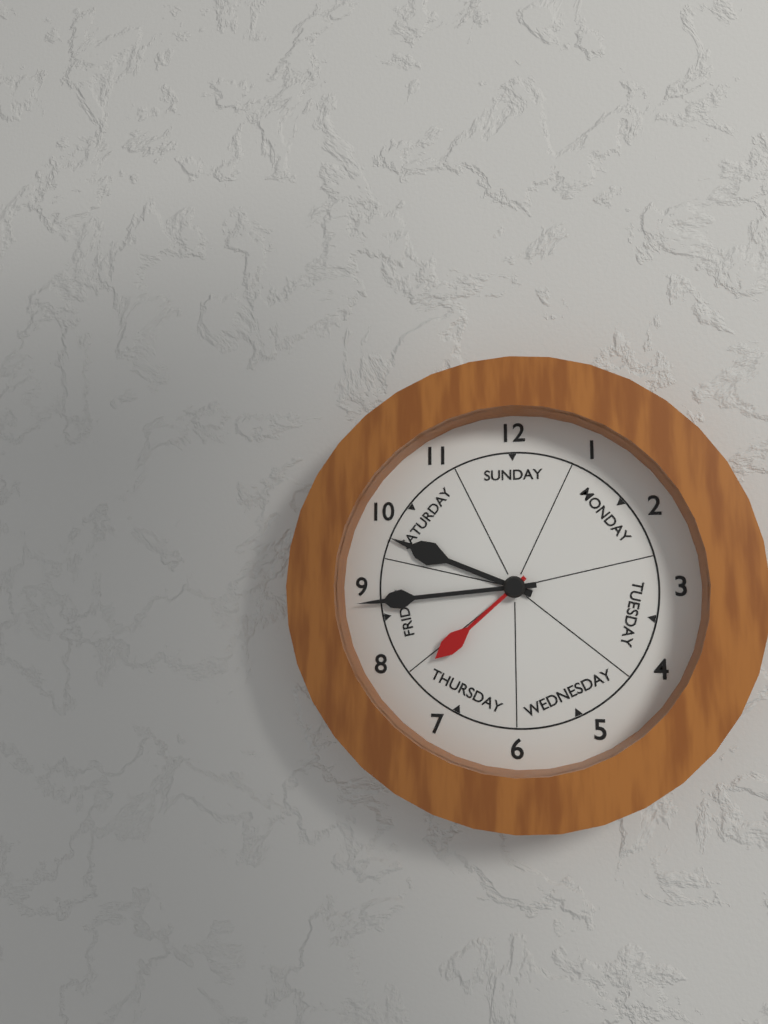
**9:44:38**
